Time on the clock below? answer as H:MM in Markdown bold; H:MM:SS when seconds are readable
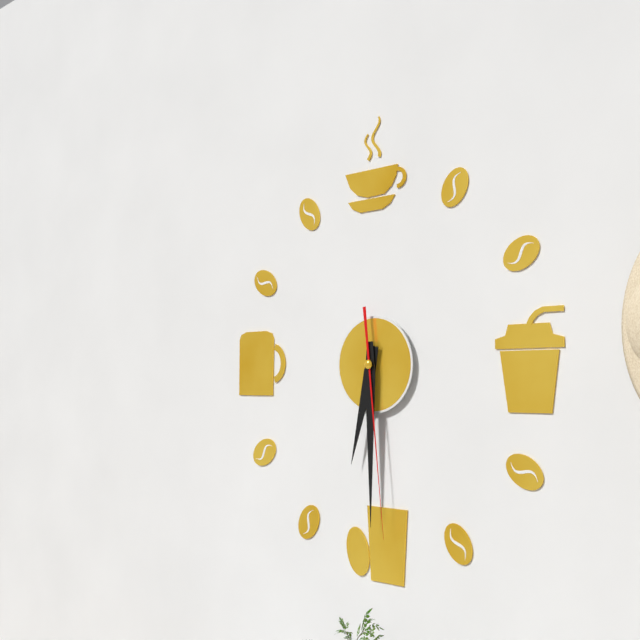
**6:30:29**
